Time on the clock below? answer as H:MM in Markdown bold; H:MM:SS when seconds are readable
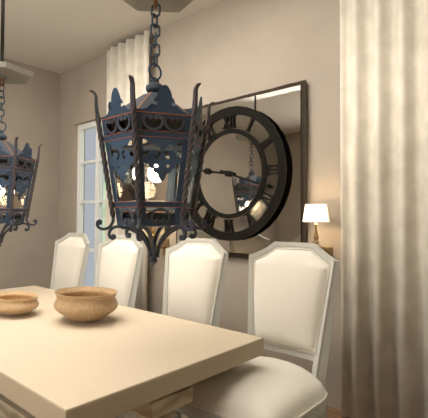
**9:18**
